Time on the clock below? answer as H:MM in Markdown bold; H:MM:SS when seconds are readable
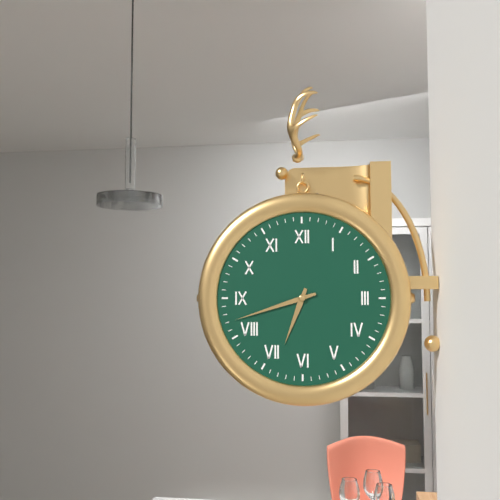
**6:42**
